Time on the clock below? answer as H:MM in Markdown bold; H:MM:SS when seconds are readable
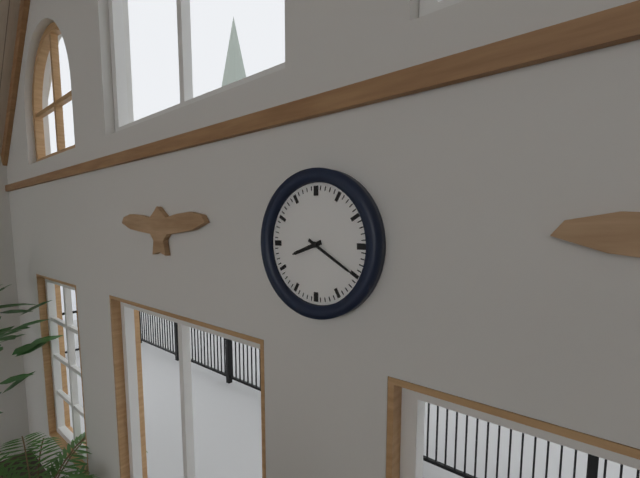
**8:20**
